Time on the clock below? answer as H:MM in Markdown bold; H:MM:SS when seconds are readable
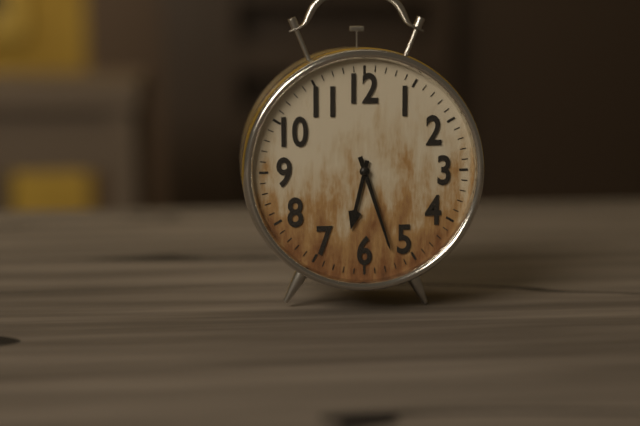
**6:27**
